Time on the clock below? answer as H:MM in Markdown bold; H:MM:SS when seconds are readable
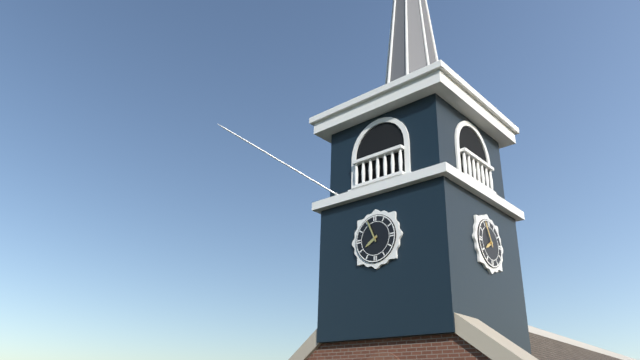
**7:56**
